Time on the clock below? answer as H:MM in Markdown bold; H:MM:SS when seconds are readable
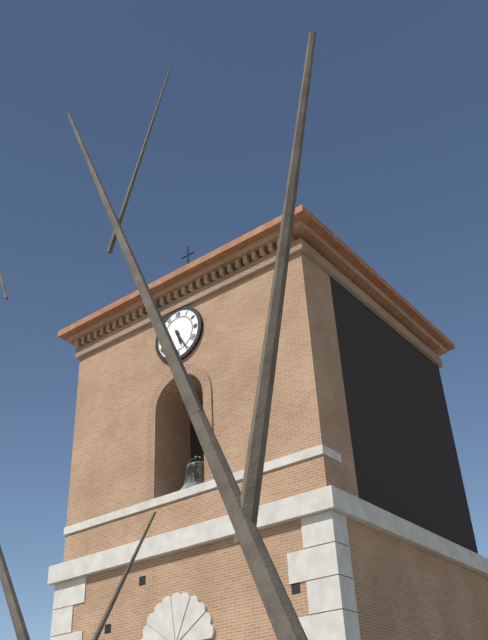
**5:25**
